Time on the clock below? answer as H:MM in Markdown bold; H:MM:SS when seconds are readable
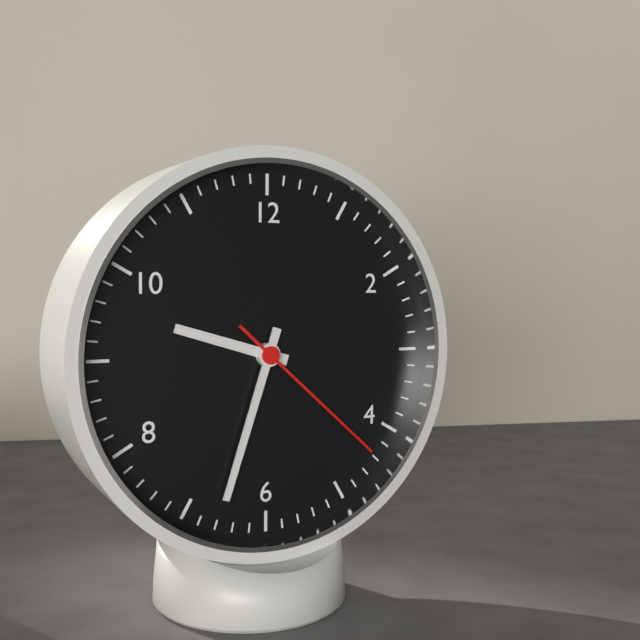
**9:33:22**
